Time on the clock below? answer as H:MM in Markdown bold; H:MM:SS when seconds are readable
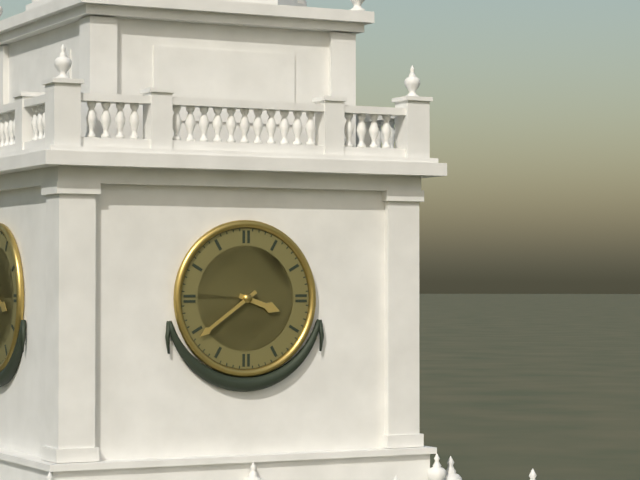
**3:39**
